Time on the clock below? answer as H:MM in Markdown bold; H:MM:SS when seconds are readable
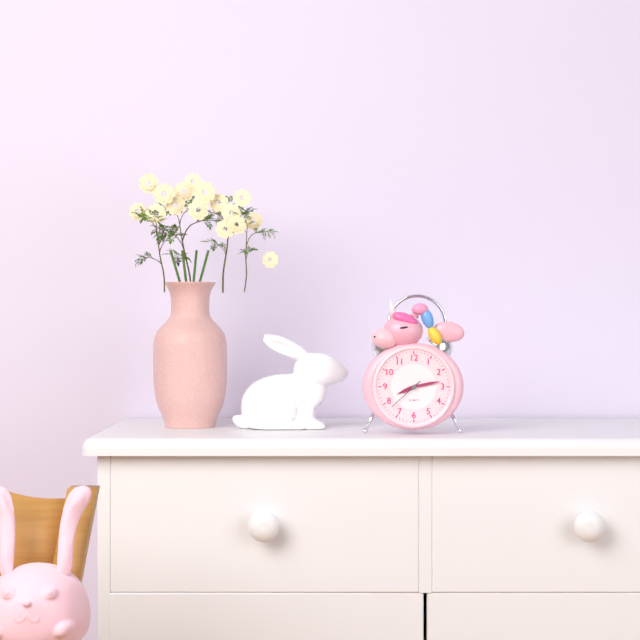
**8:13**
